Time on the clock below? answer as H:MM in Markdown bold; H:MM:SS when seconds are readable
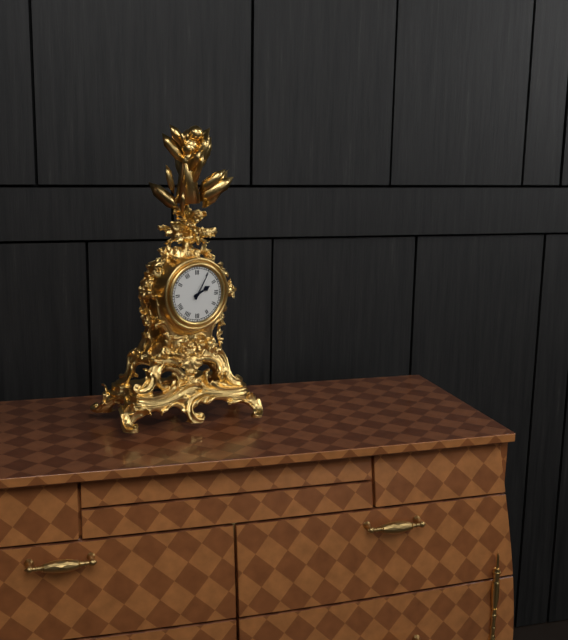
**2:05**
